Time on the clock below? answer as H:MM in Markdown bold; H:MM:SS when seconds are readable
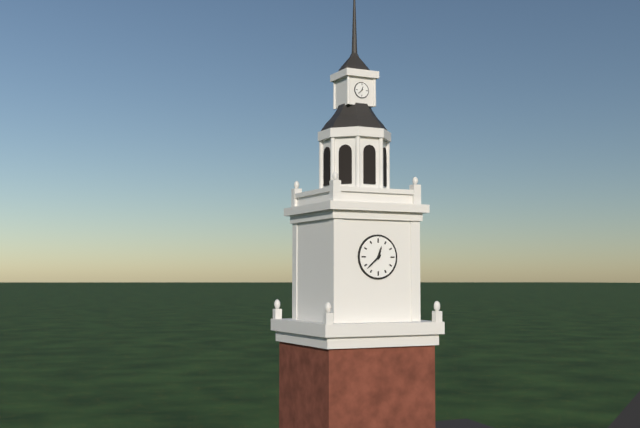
**12:38**
